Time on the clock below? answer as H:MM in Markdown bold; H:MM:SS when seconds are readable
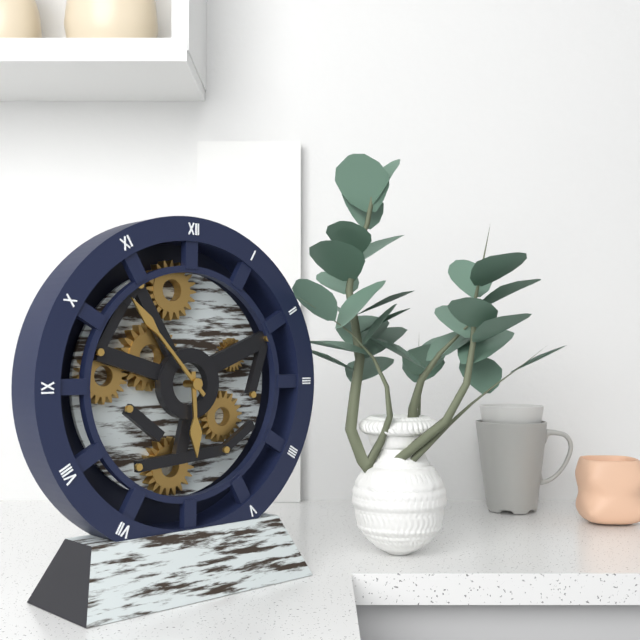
**5:53**
